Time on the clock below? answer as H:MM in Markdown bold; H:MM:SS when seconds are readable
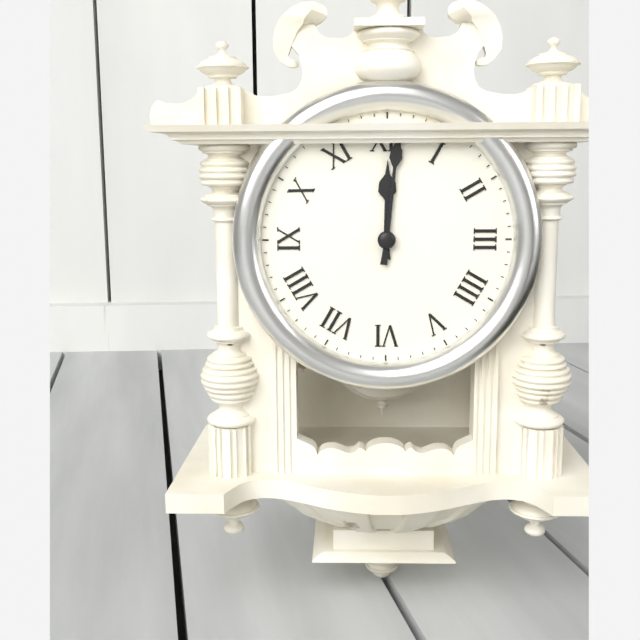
**12:01**
